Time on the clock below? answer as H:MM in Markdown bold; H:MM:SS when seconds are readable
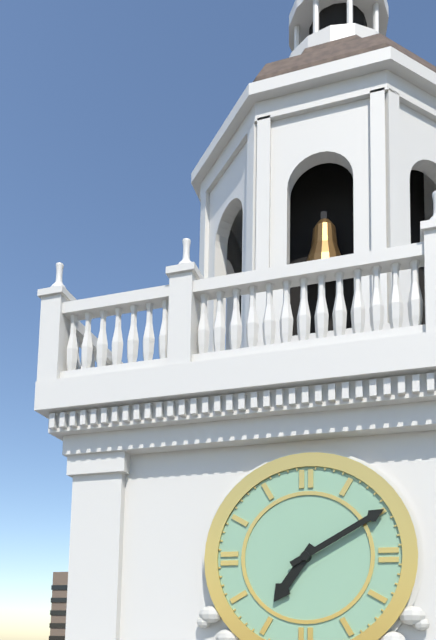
**7:10**
